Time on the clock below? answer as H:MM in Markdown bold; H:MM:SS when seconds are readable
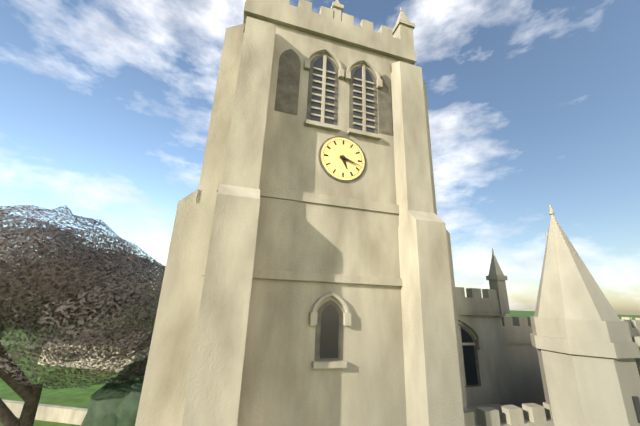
**5:18**
